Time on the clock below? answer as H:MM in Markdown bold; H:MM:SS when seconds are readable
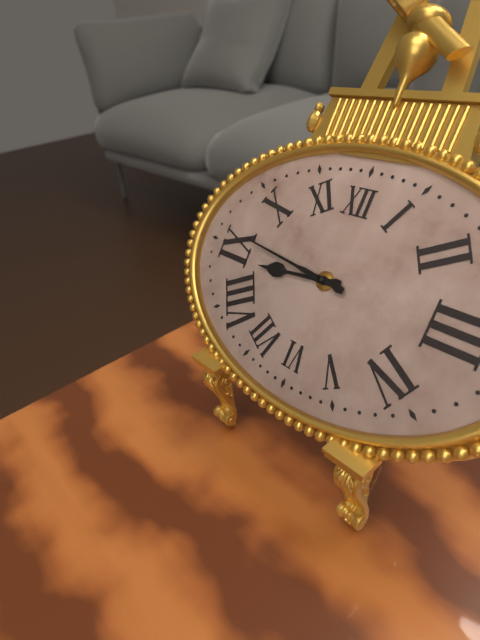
**8:46**
